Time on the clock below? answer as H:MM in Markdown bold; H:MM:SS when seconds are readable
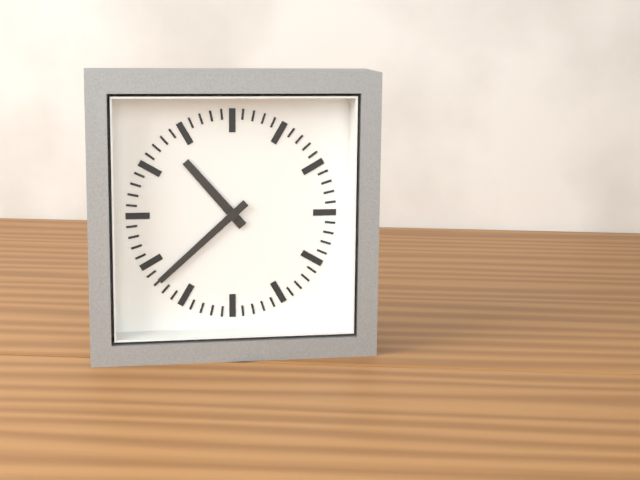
**10:38**
